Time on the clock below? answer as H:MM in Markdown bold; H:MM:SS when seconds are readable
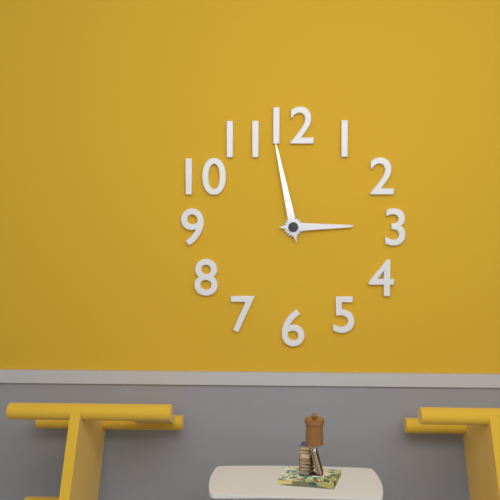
**2:58**
